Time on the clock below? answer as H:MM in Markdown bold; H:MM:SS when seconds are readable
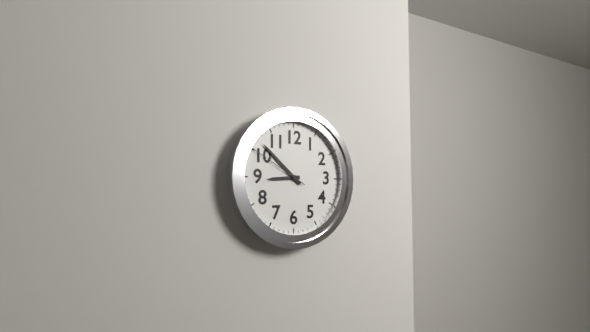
**8:52:50**
